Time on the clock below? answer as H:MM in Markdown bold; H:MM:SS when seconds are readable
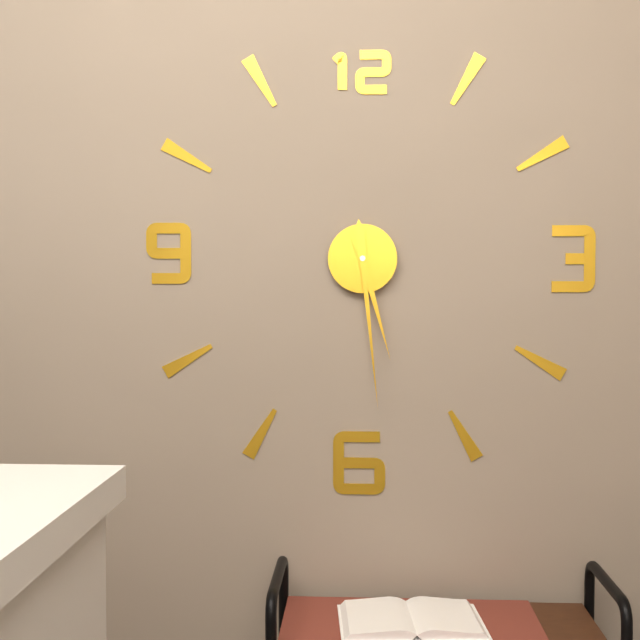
**5:29**
